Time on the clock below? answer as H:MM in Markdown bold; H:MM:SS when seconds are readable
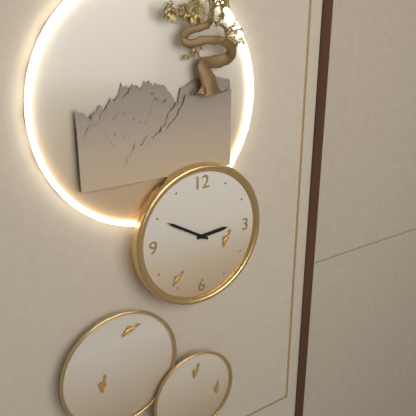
**2:50**
